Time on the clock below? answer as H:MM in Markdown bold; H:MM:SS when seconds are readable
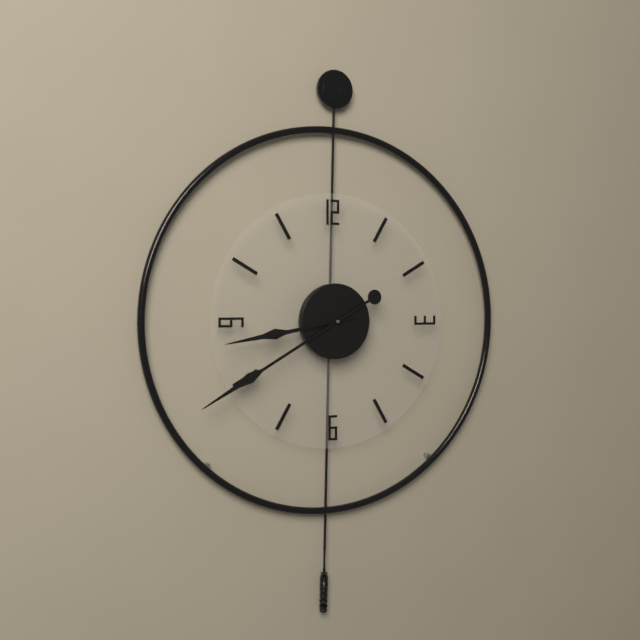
**8:40:43**
